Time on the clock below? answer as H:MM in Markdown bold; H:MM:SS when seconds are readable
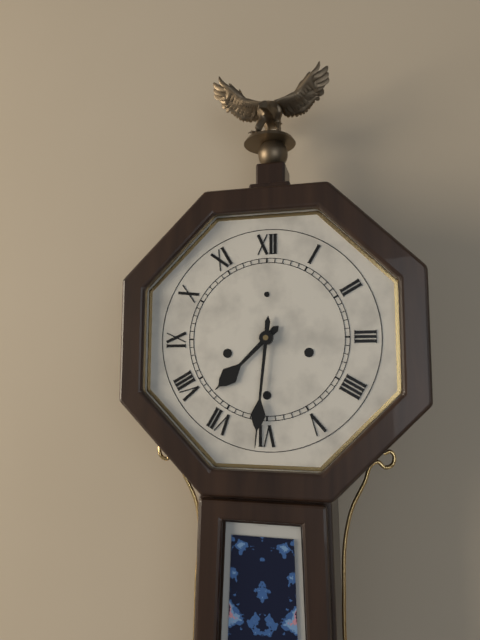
**7:31**
